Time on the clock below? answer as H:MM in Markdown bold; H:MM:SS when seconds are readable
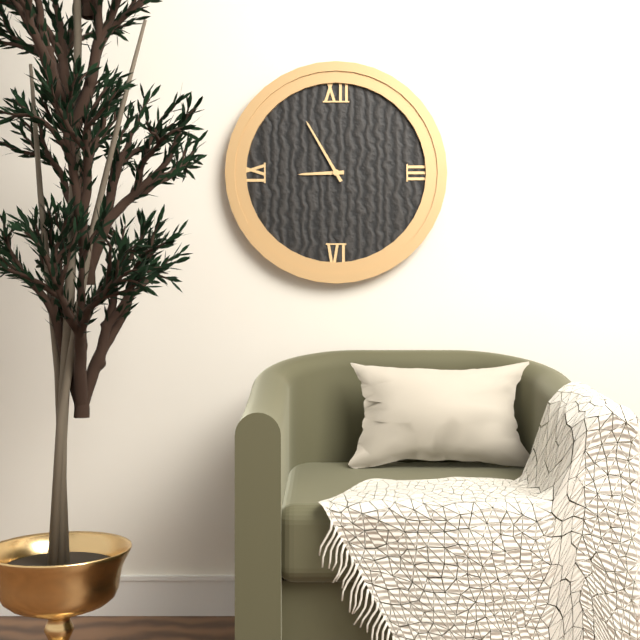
**8:55**
